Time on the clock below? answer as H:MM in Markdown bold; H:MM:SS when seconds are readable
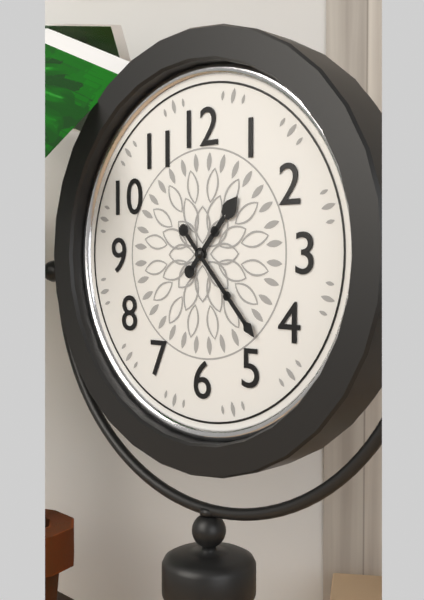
**1:23**
